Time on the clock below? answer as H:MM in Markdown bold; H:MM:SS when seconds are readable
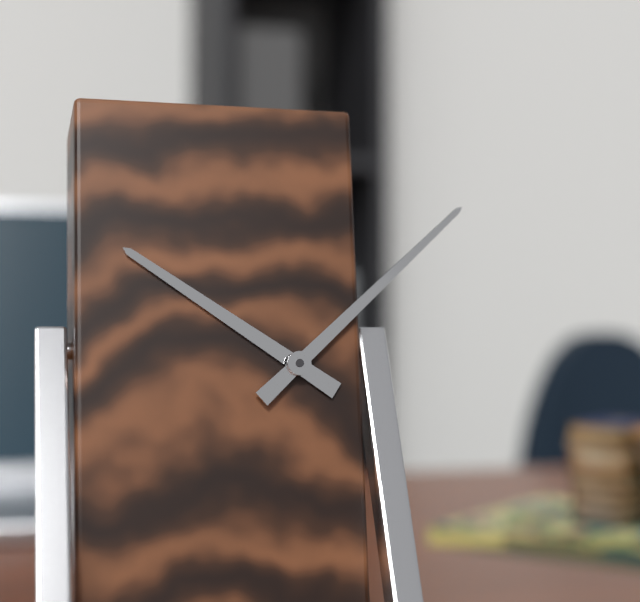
**10:08**
